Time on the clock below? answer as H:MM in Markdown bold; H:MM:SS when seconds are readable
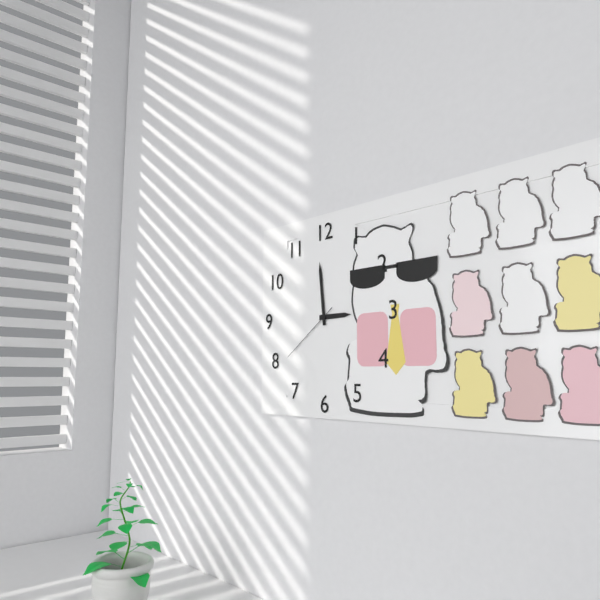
**2:59:39**
